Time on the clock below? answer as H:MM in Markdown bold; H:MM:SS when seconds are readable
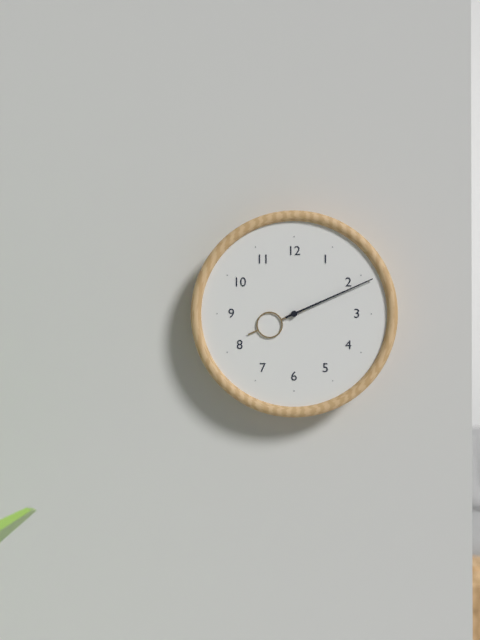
**8:11**
